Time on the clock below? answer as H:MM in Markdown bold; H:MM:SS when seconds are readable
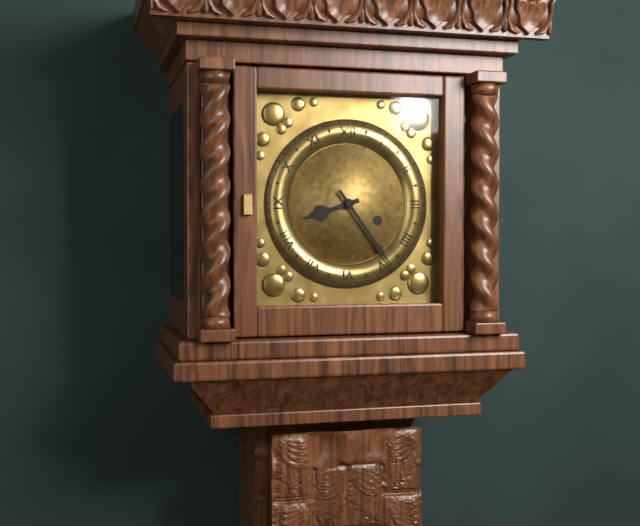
**8:24**
